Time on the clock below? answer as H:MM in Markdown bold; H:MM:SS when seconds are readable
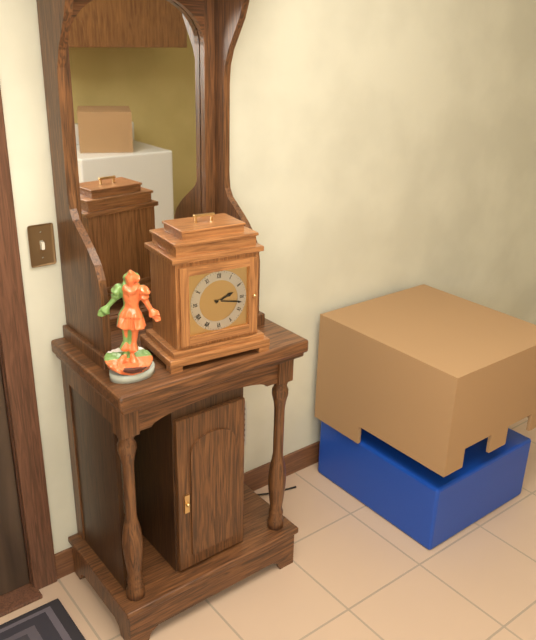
**2:17**
